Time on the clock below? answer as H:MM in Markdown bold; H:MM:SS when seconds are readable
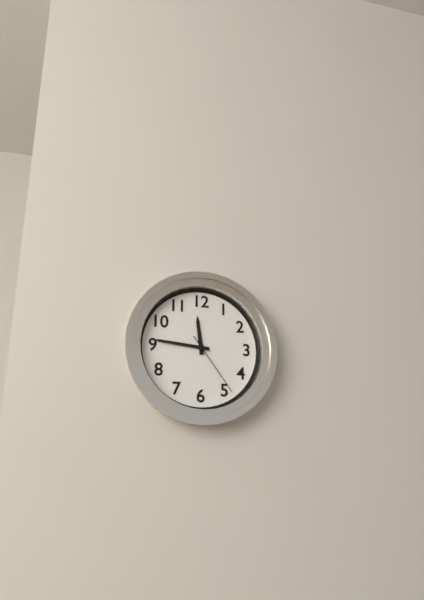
**11:46:24**
